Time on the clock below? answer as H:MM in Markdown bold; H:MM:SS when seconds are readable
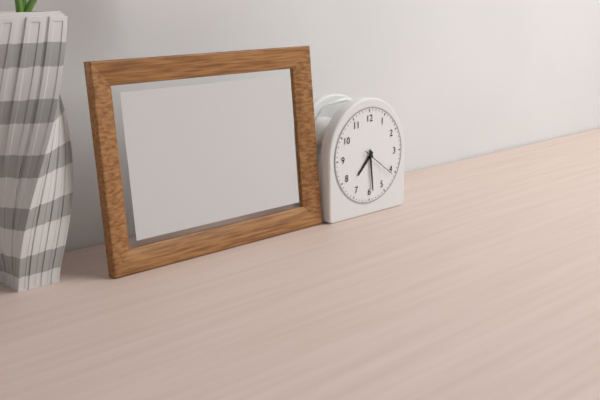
**7:29**
